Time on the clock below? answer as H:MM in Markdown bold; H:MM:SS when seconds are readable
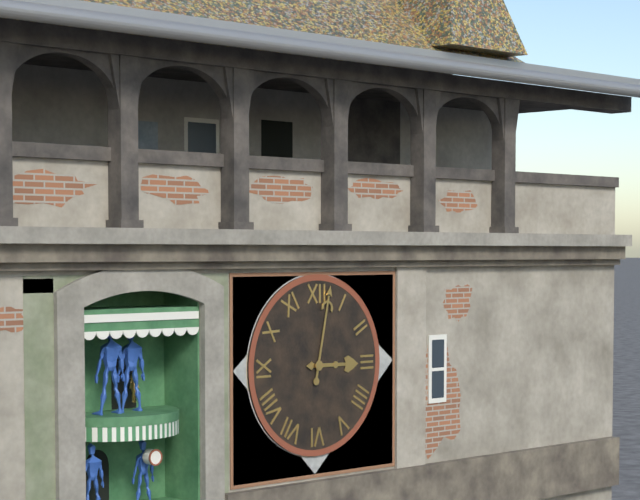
**3:02**
